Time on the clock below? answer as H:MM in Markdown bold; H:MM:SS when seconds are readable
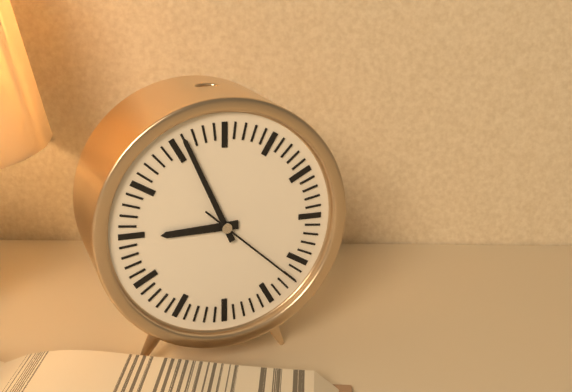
**8:56:22**
